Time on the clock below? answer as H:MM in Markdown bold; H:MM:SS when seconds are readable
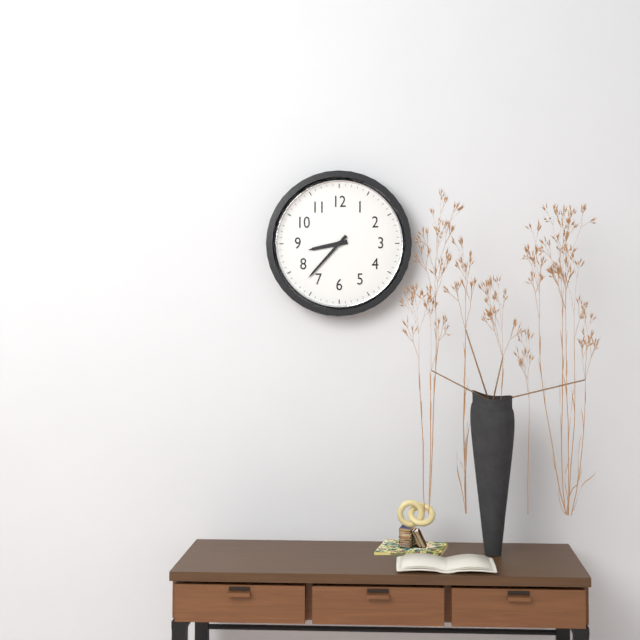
**8:37**
